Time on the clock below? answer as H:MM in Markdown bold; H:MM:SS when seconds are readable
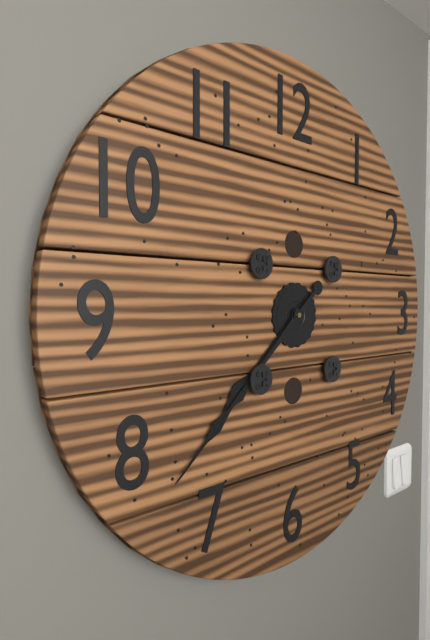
**7:38**
